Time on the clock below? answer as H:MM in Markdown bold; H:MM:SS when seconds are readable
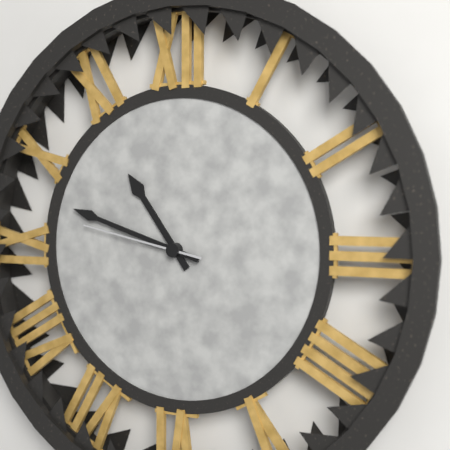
**10:48:47**
